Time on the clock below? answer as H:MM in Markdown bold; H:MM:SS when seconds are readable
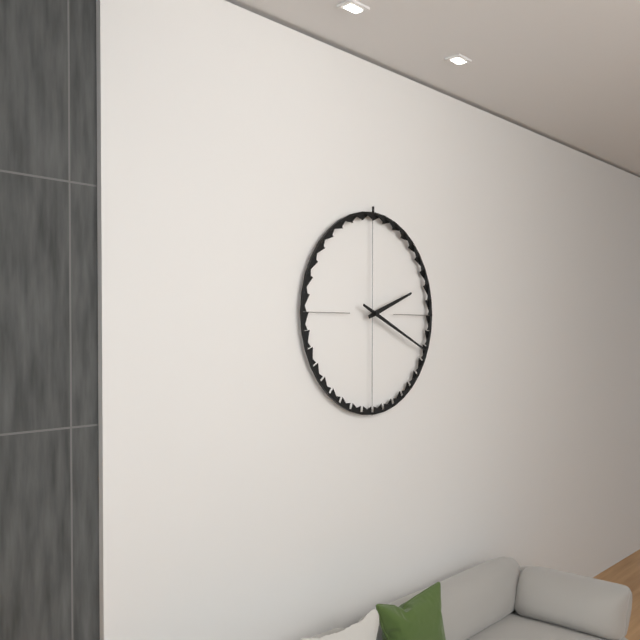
**2:19**
